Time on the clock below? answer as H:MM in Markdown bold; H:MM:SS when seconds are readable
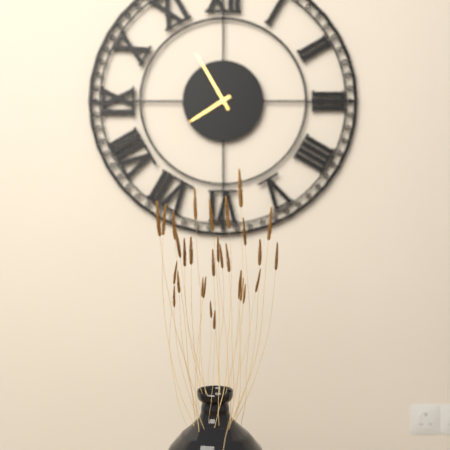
**7:55**
